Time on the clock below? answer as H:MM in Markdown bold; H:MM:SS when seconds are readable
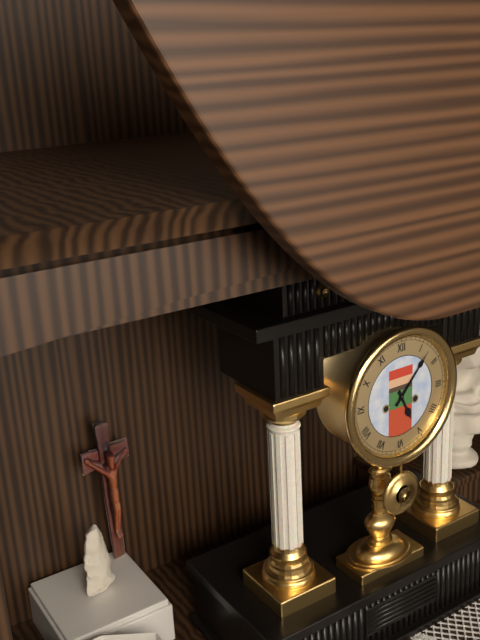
**5:07**
